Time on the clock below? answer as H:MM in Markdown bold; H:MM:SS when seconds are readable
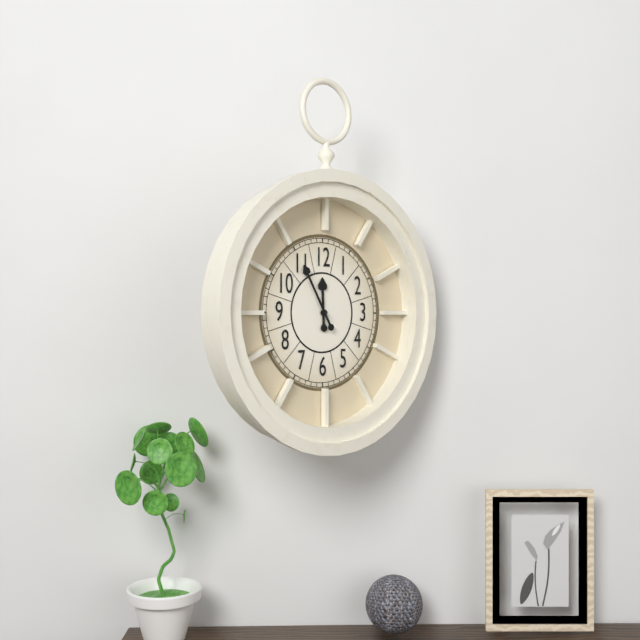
**11:55**
